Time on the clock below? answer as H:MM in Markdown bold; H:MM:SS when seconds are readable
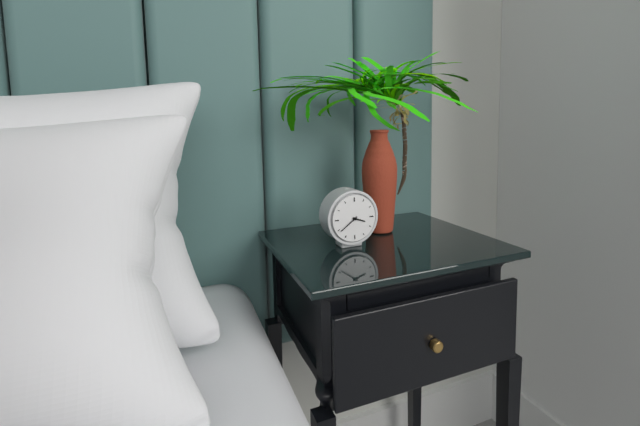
**3:39**
